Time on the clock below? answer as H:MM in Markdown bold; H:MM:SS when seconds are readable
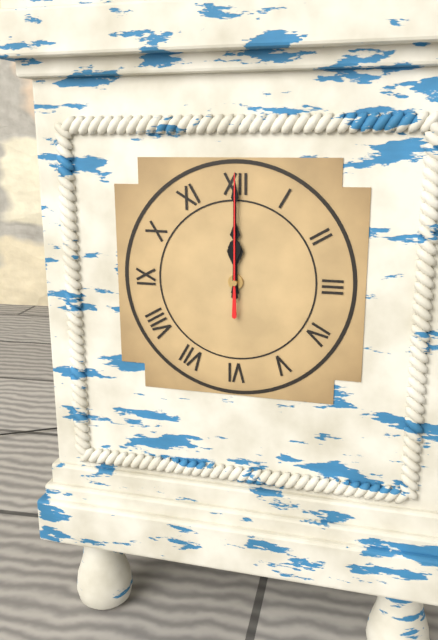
**12:00:00**
